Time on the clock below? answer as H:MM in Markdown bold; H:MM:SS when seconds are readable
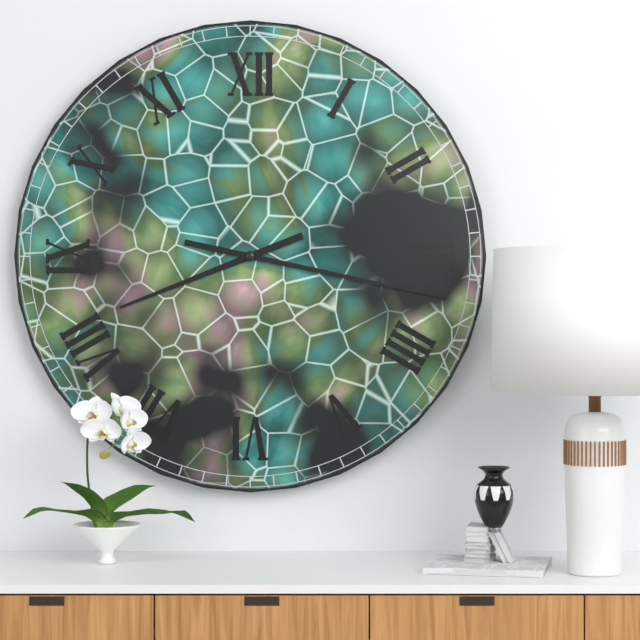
**8:17**
